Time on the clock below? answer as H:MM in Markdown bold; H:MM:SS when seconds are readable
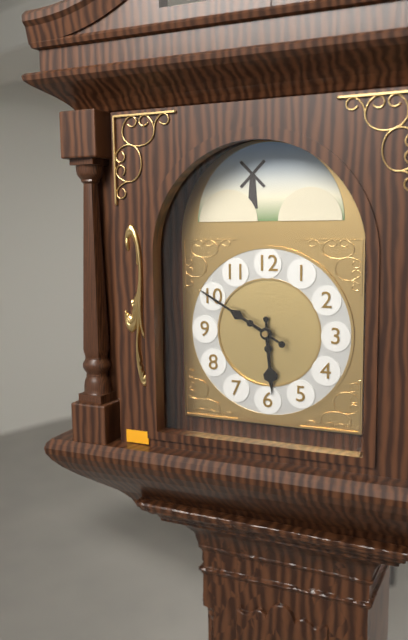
**5:50**
